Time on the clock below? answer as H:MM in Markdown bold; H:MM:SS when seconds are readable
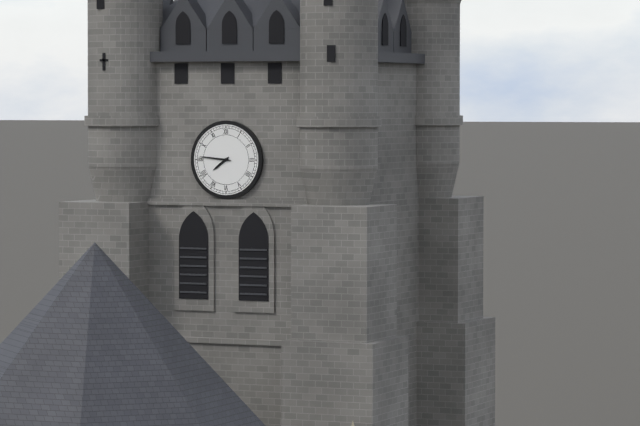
**7:46**
